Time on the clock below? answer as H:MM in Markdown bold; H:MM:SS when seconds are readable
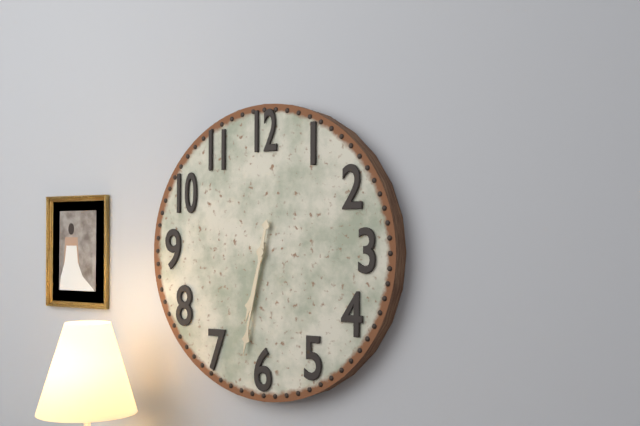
**6:32**
